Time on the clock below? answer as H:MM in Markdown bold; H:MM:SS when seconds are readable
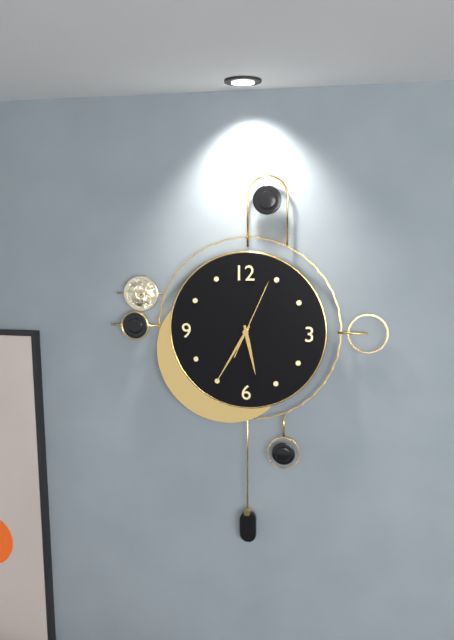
**5:35:04**
